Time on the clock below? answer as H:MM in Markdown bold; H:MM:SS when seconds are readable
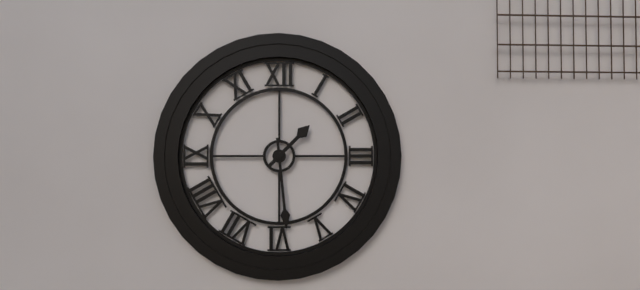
**1:29**
